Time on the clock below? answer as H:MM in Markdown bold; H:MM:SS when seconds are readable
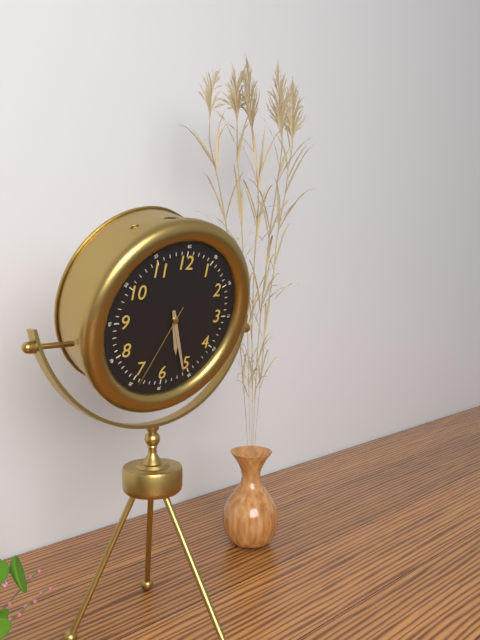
**5:26:34**
